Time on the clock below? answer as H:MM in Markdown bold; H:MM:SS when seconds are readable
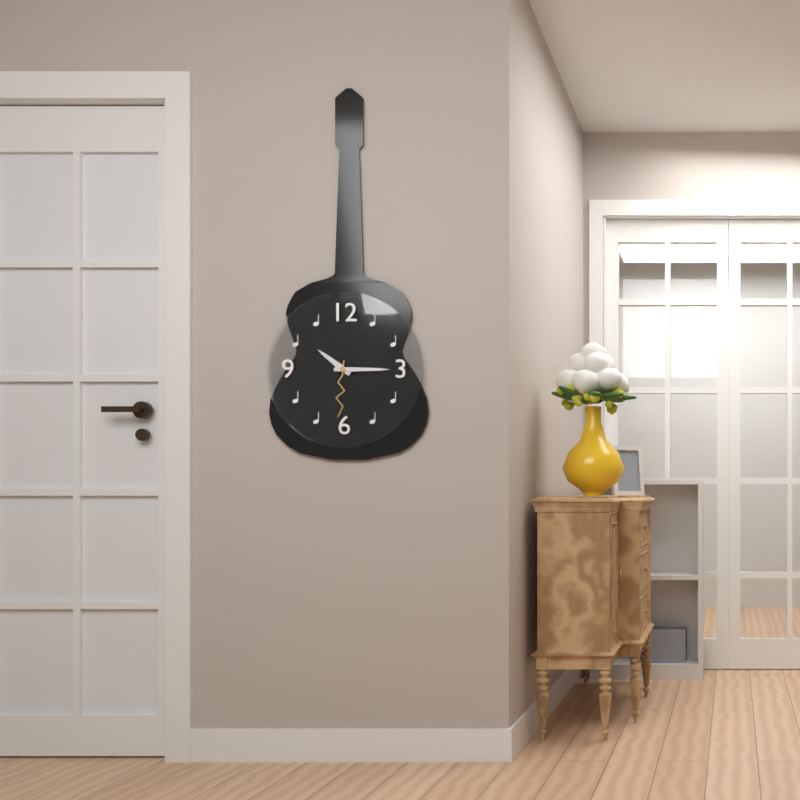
**10:15:31**
